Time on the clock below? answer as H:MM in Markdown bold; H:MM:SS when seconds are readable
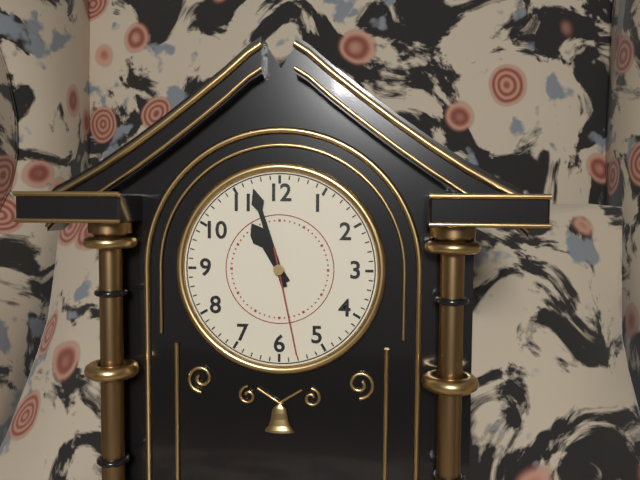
**10:57:28**
